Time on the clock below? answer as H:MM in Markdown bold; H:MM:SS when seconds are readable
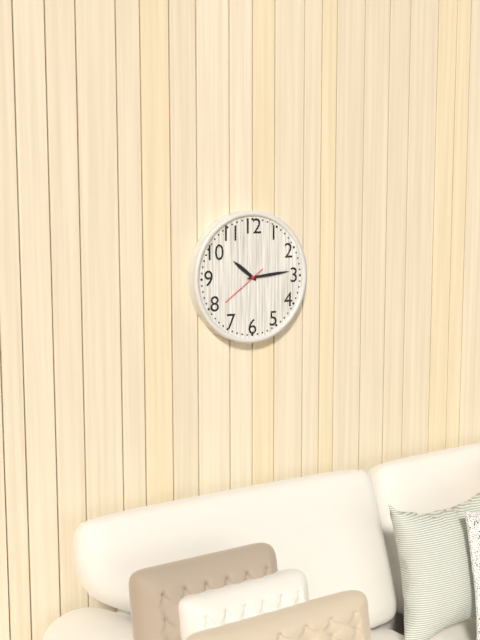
**10:14**
